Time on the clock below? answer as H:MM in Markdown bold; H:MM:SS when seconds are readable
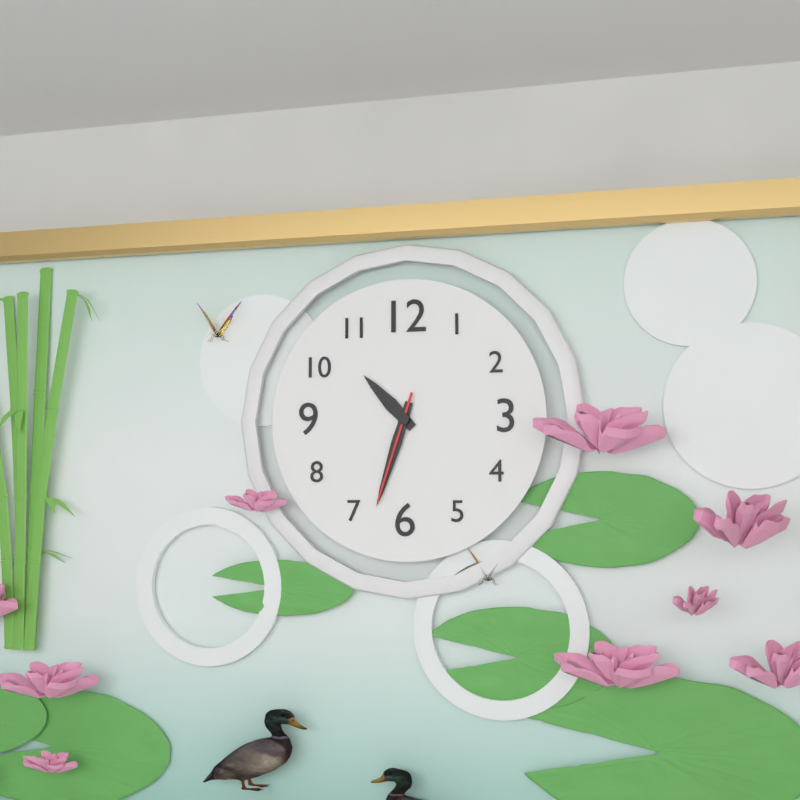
**10:33:33**
